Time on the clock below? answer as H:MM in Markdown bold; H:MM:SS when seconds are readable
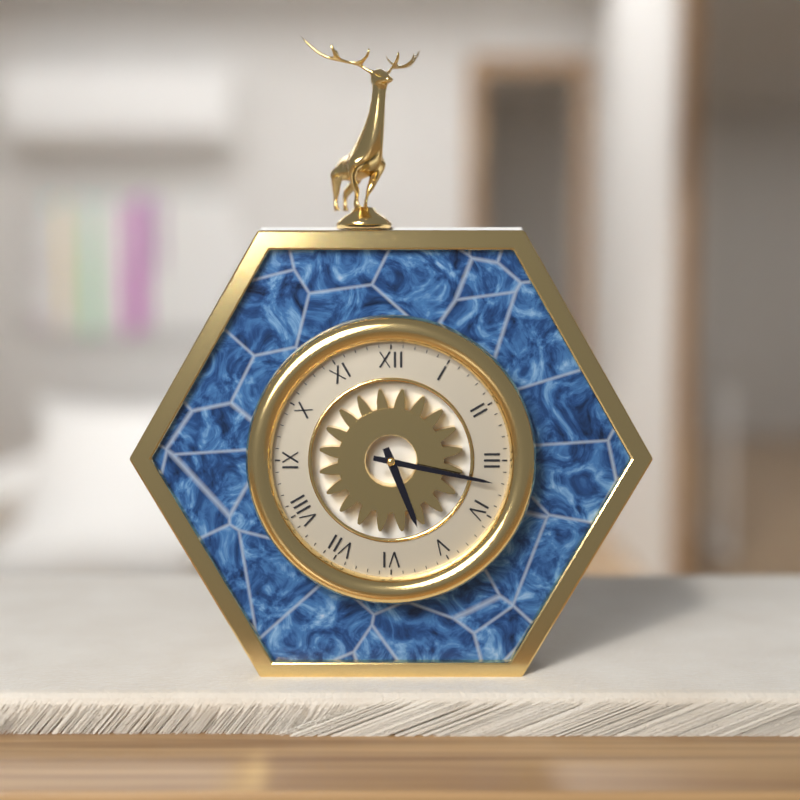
**5:17**
